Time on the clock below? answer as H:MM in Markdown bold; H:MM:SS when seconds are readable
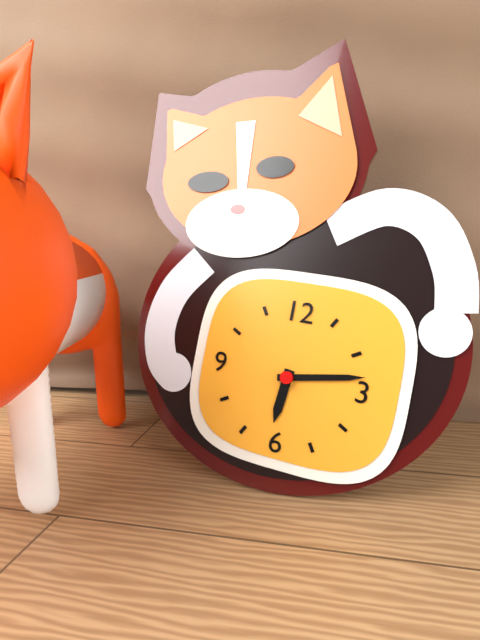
**6:13**
